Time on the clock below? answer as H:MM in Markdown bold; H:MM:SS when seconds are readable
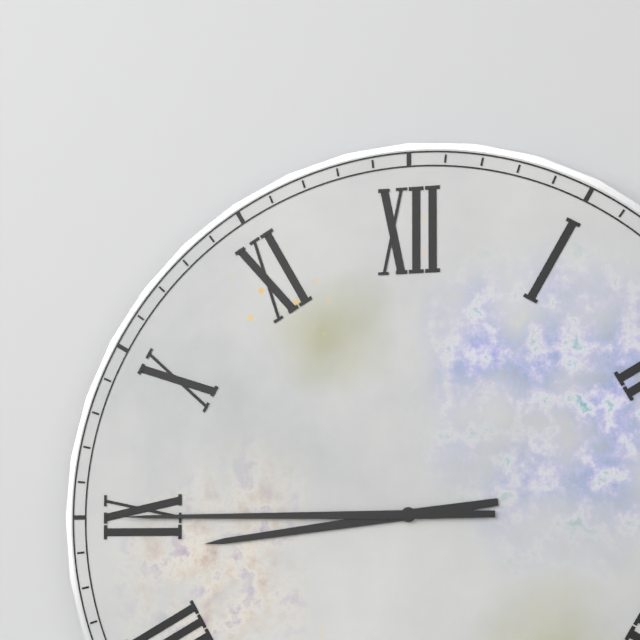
**8:45**
